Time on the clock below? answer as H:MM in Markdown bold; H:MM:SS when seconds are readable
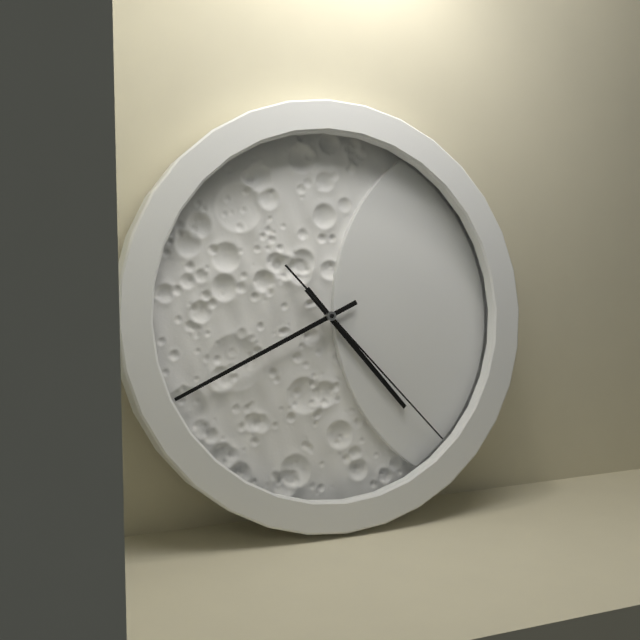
**4:41:23**
